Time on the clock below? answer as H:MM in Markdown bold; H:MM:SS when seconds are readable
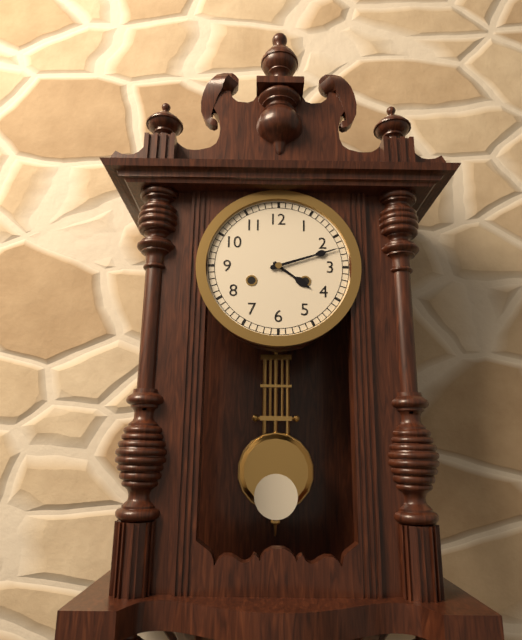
**4:12**
